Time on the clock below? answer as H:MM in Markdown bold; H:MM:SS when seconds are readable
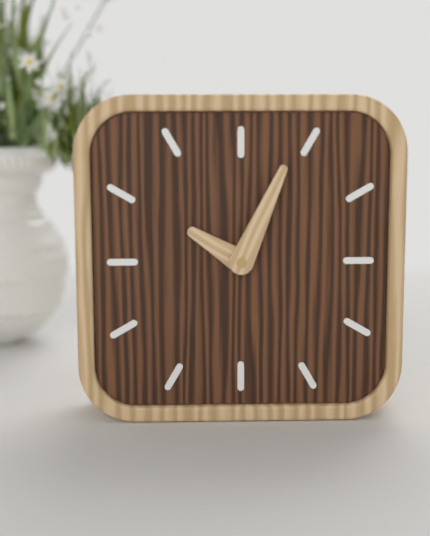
**10:04**
